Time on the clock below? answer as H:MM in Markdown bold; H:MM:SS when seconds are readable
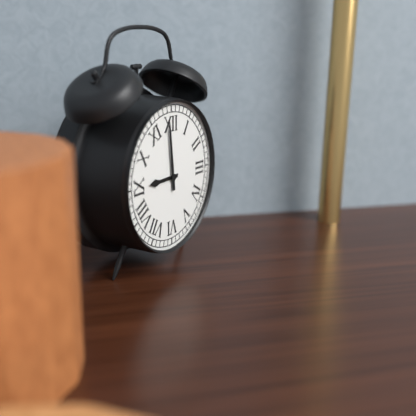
**8:59**
